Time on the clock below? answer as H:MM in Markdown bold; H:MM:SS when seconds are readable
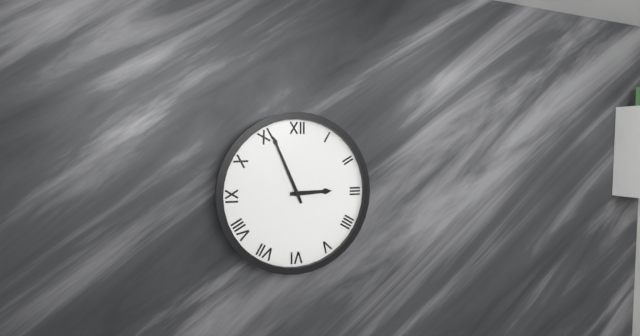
**2:56**
